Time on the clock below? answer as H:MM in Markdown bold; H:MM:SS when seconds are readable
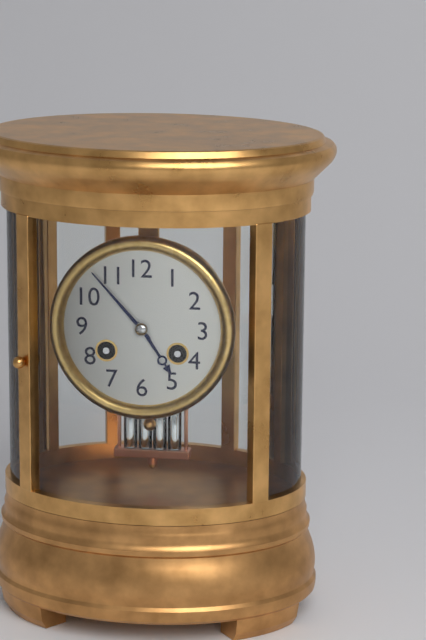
**4:53**
